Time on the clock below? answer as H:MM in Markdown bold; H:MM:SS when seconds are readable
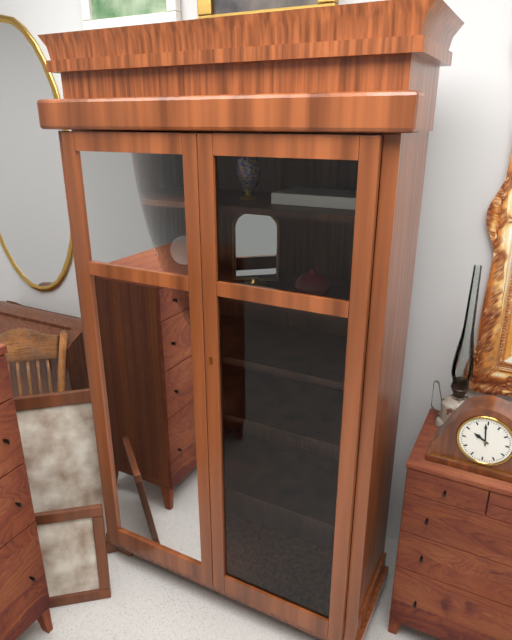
**9:59**
